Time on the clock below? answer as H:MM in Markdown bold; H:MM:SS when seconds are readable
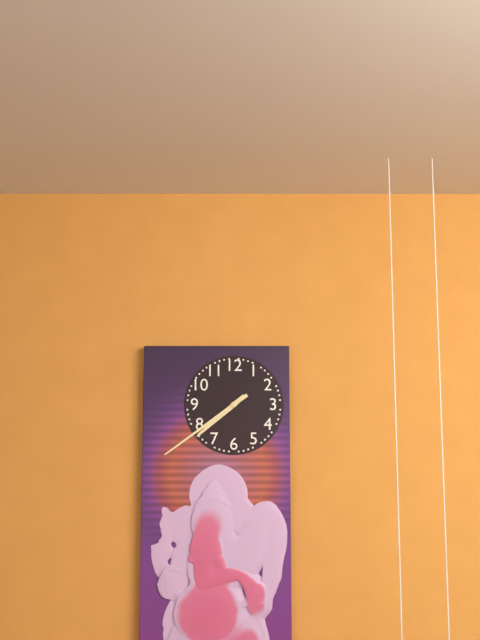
**7:39**
